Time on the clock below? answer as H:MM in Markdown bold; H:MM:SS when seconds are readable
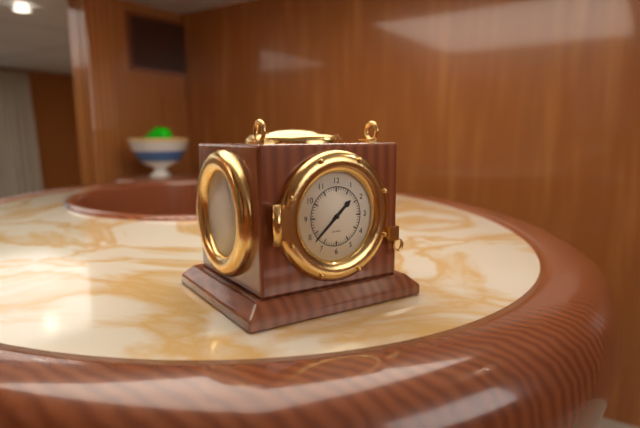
**1:38**
